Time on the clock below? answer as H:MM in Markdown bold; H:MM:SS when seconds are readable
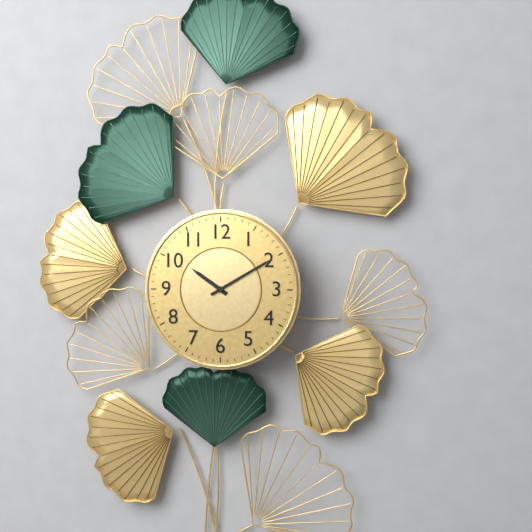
**10:10**
